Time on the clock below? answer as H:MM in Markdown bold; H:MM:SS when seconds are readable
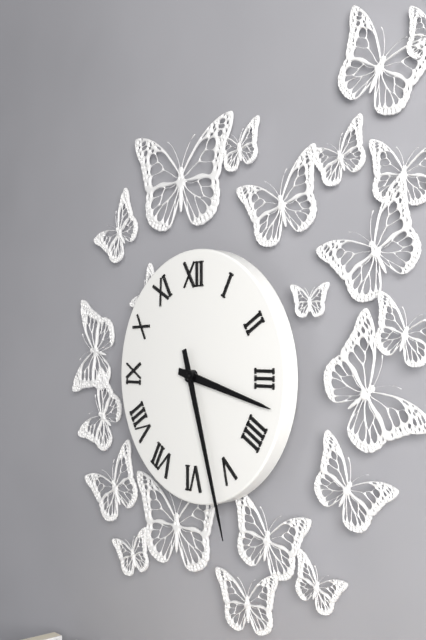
**3:27**
